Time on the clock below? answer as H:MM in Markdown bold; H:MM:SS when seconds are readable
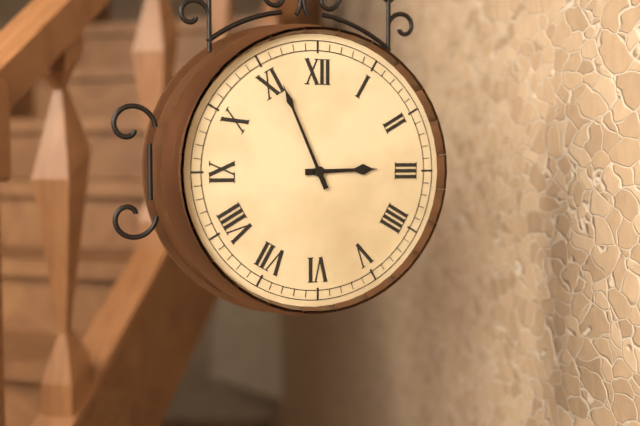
**2:56**
